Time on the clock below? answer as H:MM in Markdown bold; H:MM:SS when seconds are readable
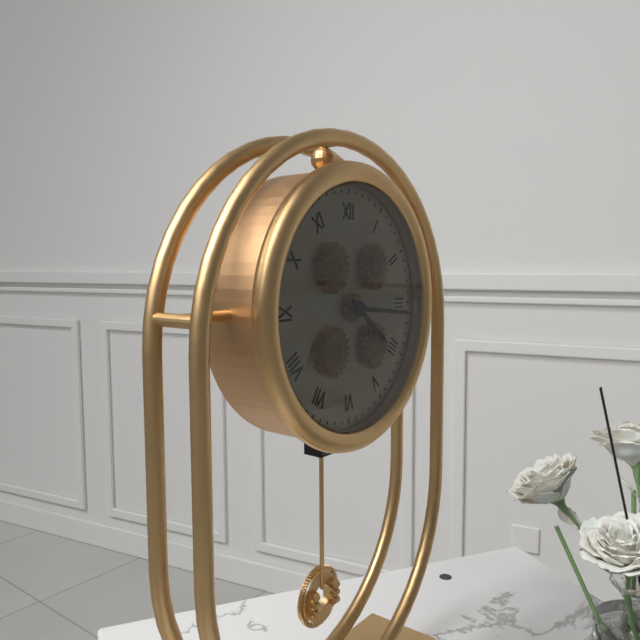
**4:16**
